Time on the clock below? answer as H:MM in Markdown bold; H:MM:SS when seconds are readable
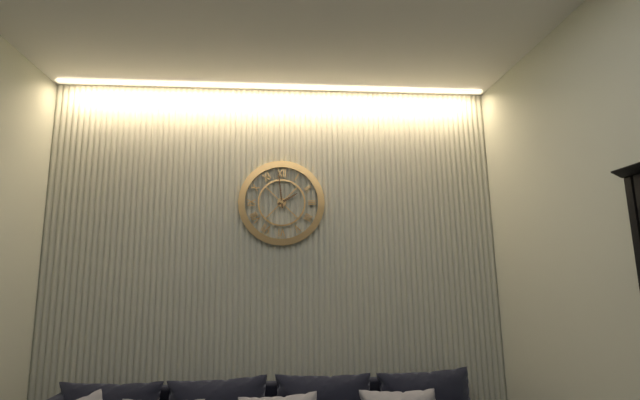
**1:59**
